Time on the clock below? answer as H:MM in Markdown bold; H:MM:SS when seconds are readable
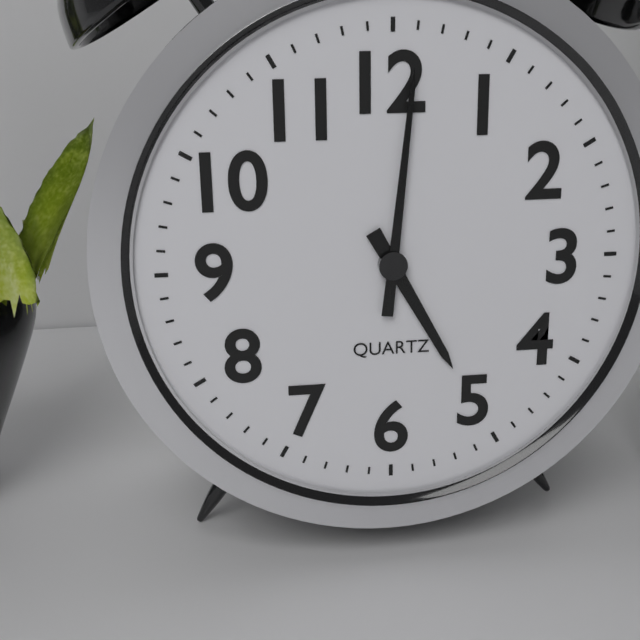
**5:01**
